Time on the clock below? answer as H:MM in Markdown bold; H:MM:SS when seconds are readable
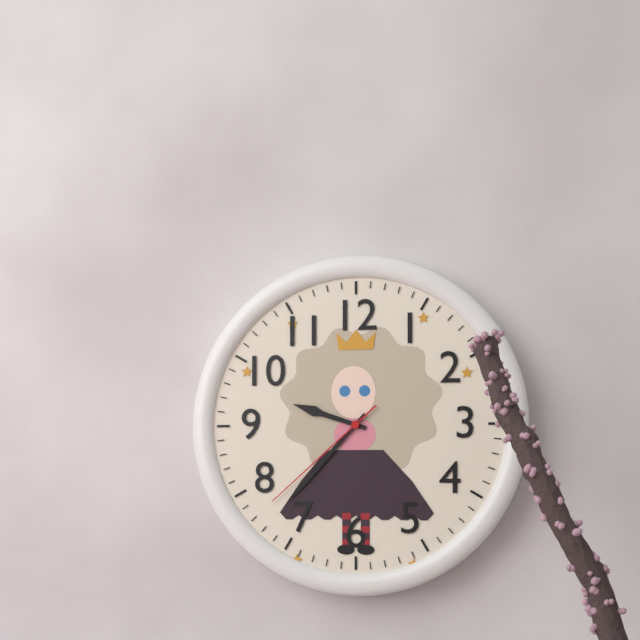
**9:37:38**
